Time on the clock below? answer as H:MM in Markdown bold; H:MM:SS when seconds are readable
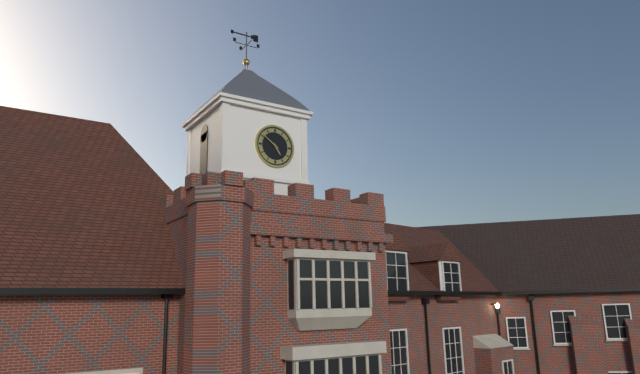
**4:51**
